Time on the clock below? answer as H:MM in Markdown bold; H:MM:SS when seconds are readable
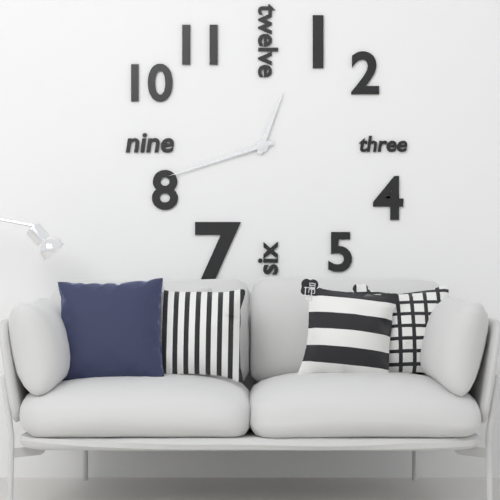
**12:42**
